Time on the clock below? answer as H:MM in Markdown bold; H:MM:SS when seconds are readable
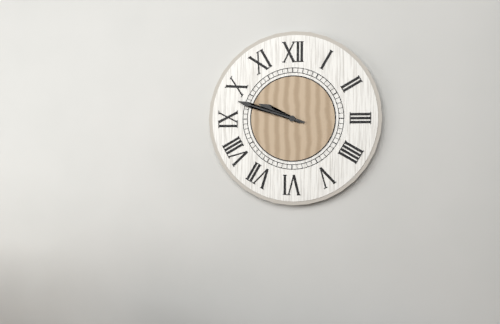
**9:48**
